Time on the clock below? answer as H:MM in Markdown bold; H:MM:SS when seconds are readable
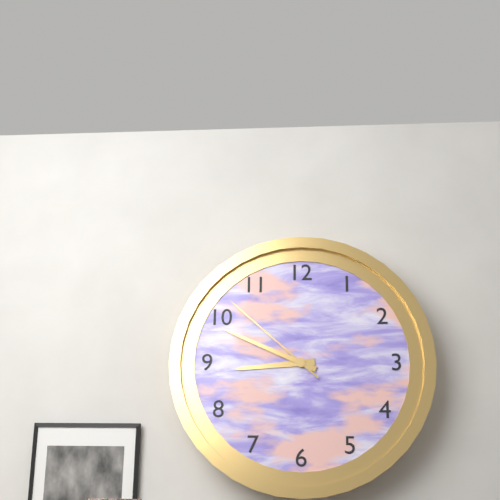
**8:49:52**
